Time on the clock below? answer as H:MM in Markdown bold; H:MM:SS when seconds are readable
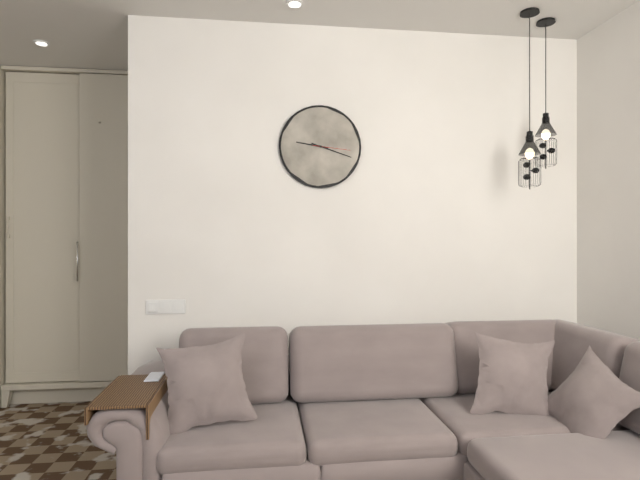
**9:18**
